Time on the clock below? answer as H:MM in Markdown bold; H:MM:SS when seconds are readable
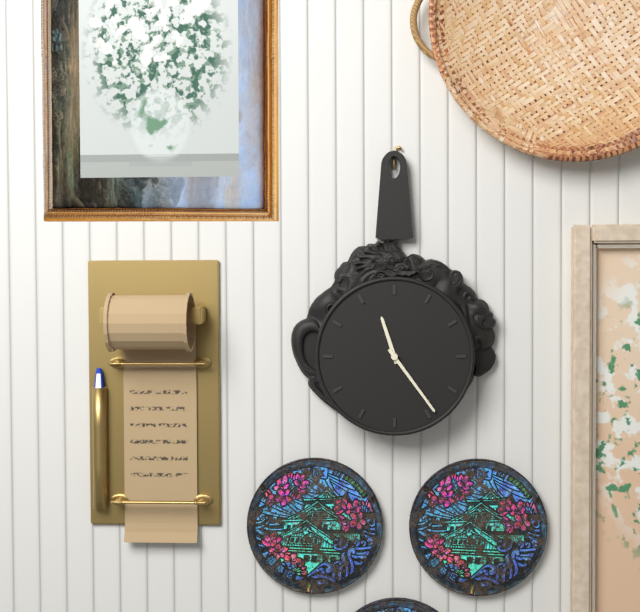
**11:24**
